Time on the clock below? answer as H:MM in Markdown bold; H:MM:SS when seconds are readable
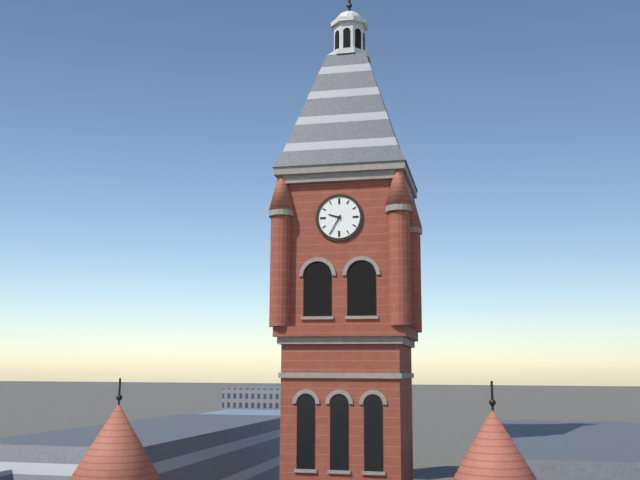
**9:35**
